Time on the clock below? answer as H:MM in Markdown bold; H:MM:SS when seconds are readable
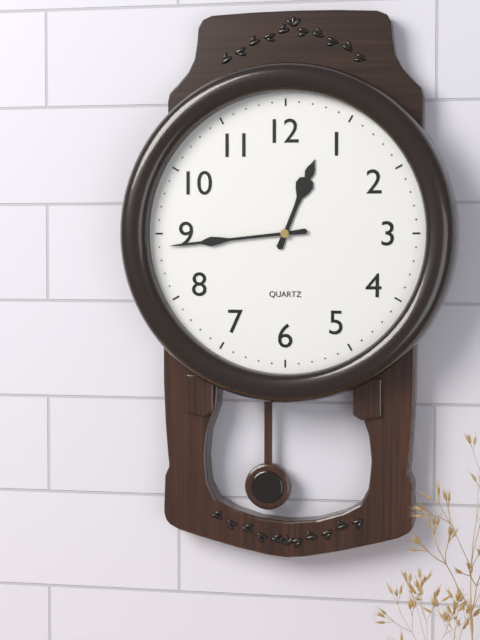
**12:44**
